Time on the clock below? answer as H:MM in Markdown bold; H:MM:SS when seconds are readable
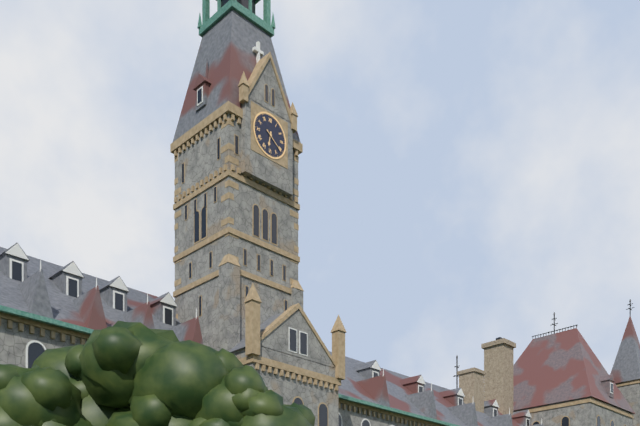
**6:21**
